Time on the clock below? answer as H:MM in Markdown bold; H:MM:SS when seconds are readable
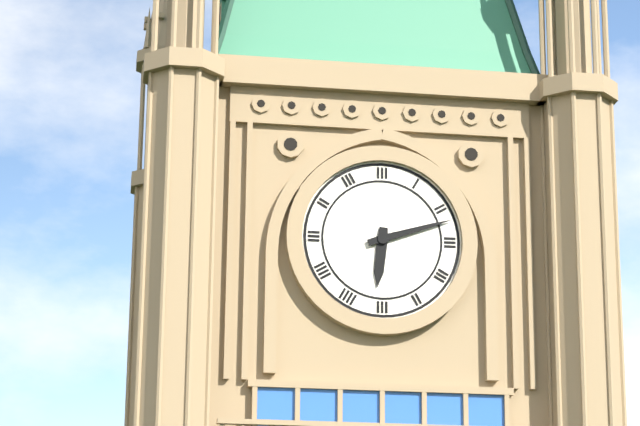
**6:12**
